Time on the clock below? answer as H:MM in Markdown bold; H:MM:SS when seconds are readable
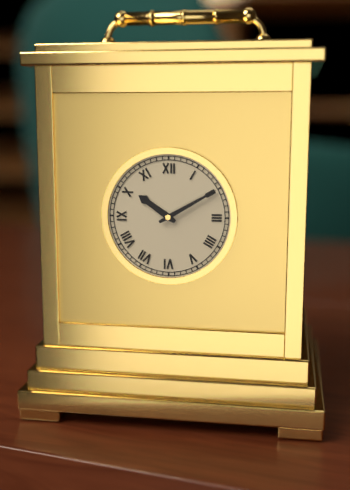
**10:10**
